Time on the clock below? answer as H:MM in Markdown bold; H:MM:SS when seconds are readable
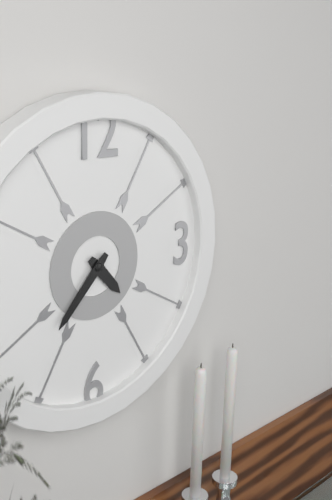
**4:37**
